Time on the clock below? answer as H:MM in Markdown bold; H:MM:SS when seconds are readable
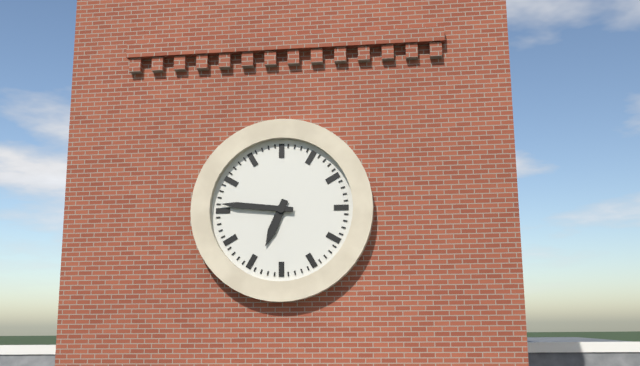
**6:46**
